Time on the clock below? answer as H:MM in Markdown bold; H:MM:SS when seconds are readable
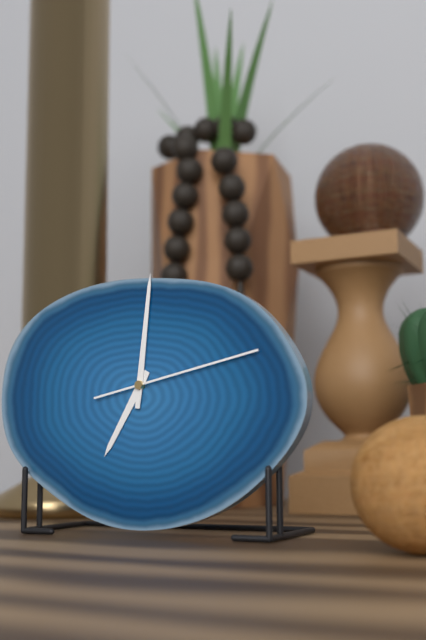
**7:01:13**
